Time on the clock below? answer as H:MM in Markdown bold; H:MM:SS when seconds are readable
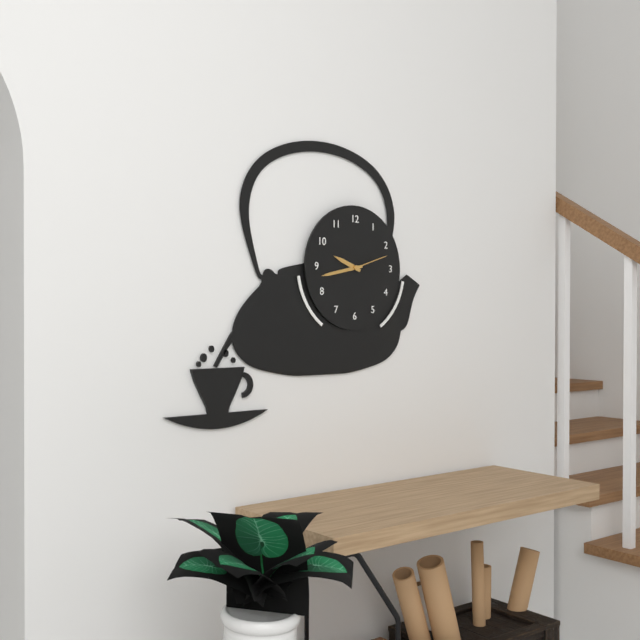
**9:43**
